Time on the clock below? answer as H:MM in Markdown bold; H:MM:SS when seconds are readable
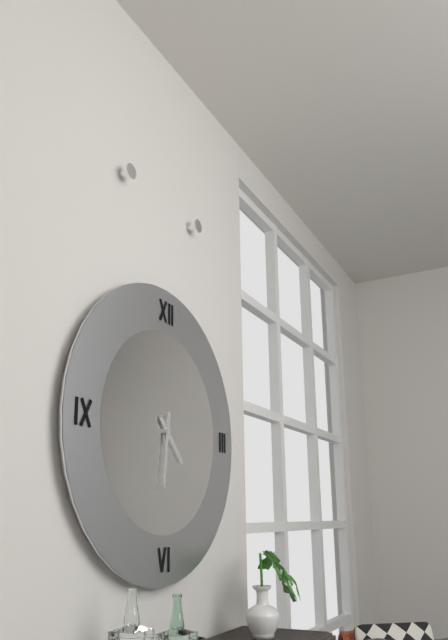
**4:31**
